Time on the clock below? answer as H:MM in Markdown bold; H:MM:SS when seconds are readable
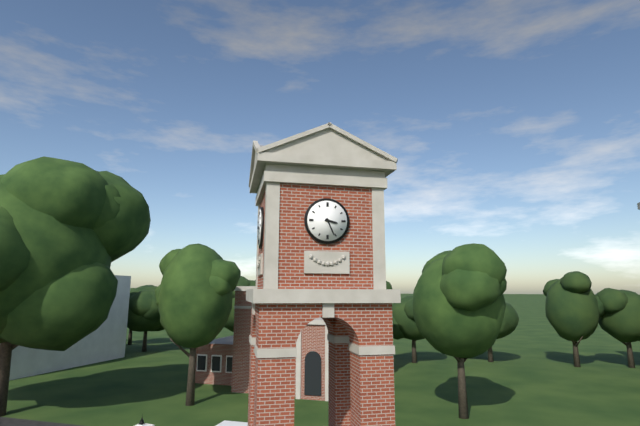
**3:26**
